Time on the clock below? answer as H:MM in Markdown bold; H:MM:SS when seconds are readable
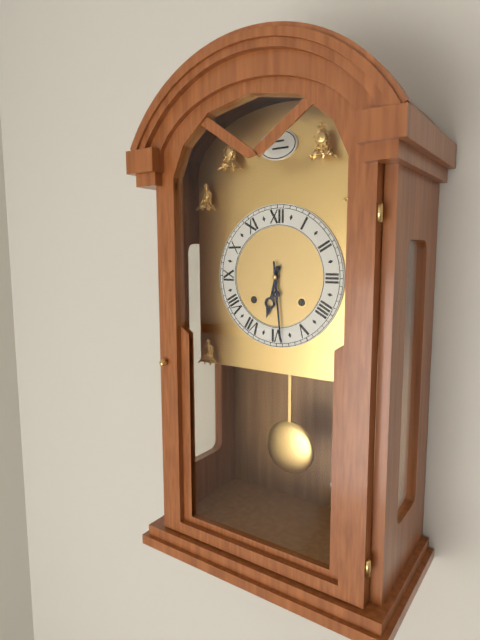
**6:29**
